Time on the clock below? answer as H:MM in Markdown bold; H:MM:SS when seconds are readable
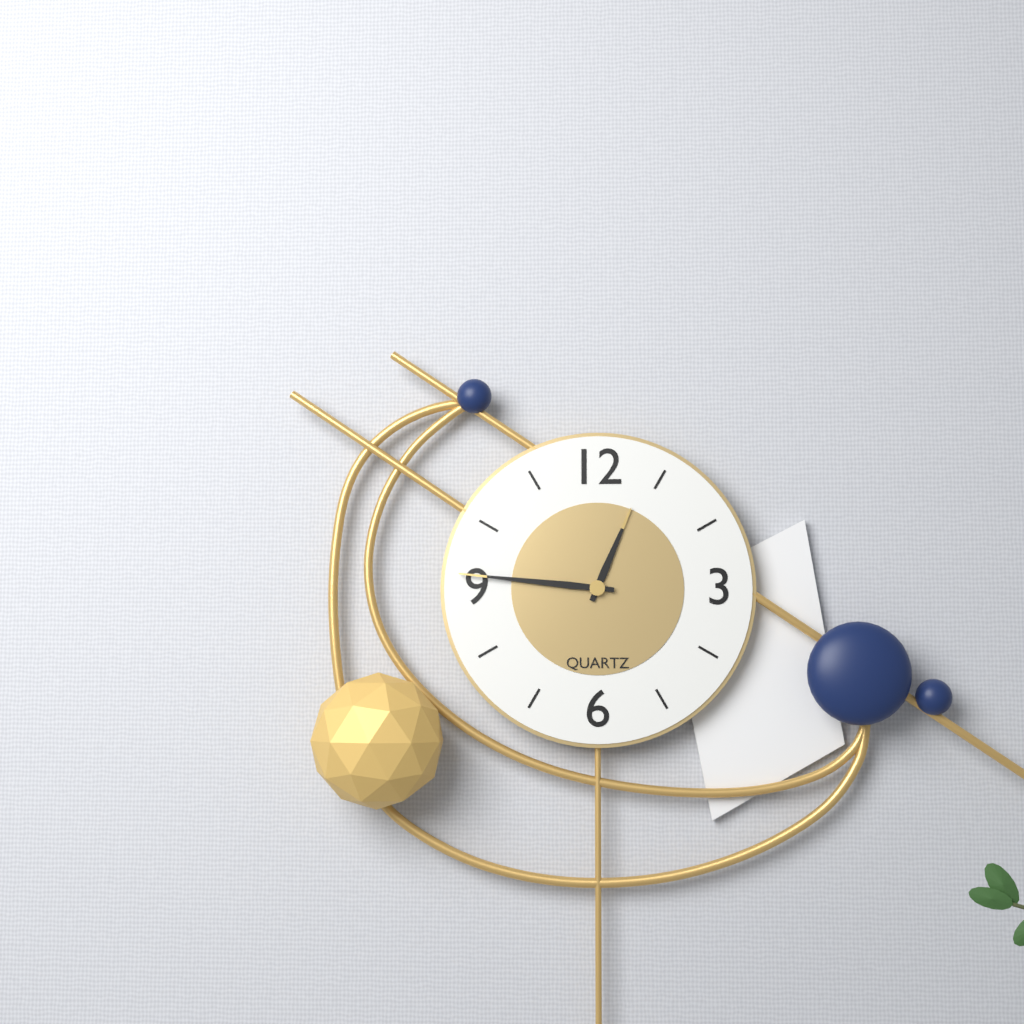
**12:46**
